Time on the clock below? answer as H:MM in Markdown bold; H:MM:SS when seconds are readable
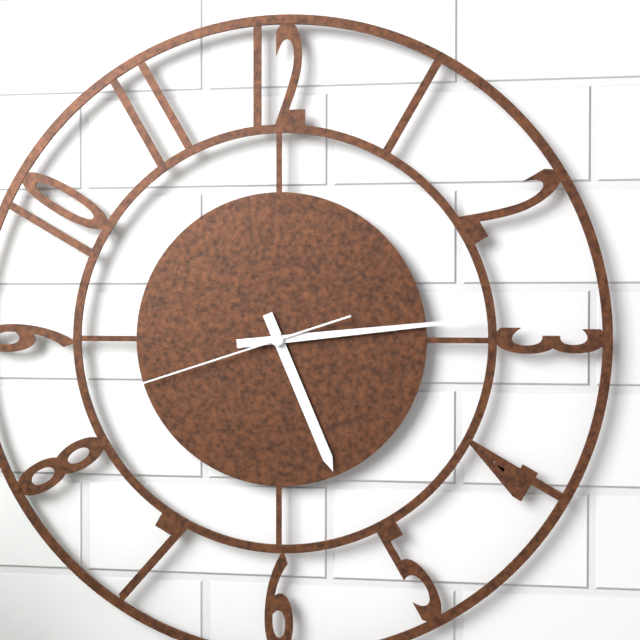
**5:14:42**
